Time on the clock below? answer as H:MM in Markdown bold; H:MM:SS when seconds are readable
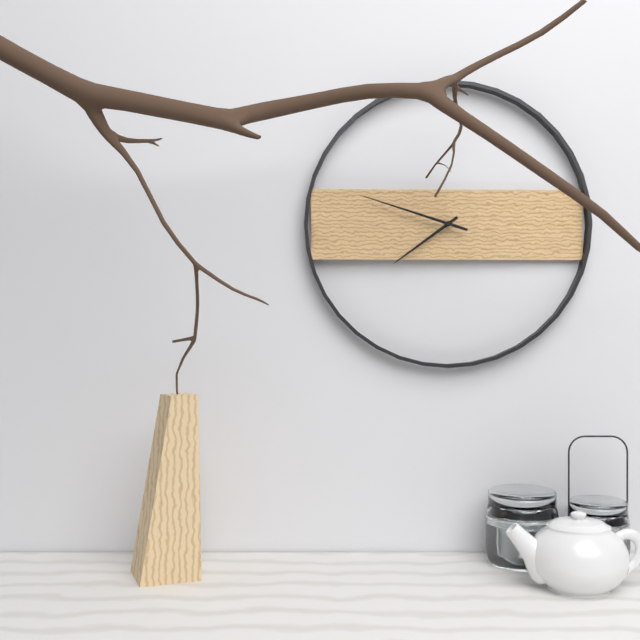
**7:48**
